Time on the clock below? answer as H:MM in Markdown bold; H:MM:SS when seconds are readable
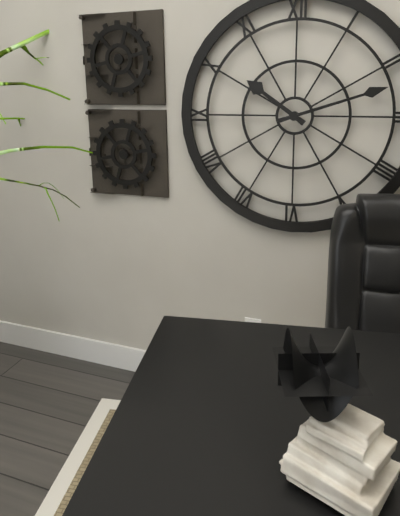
**10:12**
